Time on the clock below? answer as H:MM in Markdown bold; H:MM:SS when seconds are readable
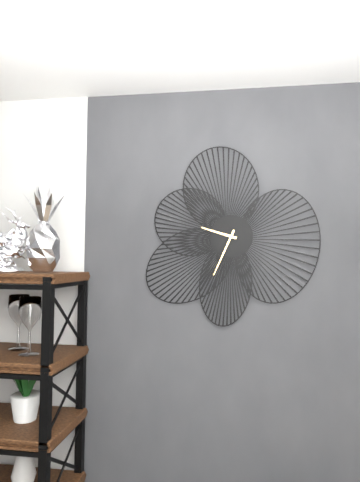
**9:34**
